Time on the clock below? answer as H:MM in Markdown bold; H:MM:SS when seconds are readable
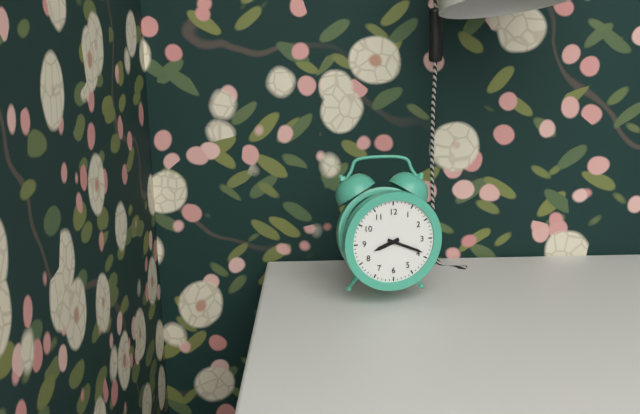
**8:19**
